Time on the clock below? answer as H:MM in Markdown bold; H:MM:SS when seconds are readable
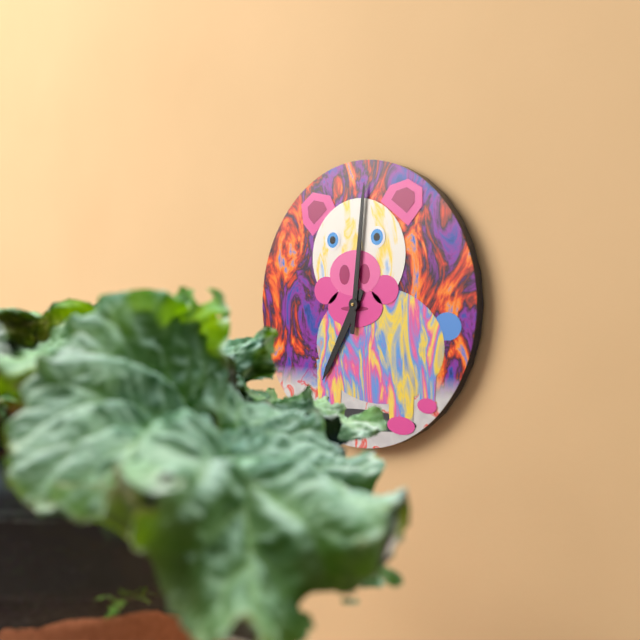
**7:01**
